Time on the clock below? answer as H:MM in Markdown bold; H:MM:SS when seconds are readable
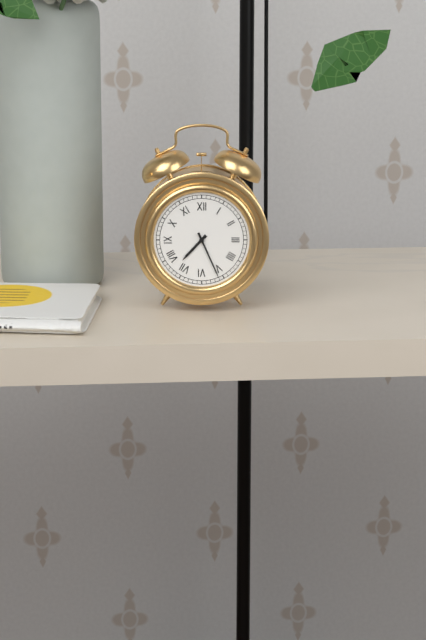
**7:26**
